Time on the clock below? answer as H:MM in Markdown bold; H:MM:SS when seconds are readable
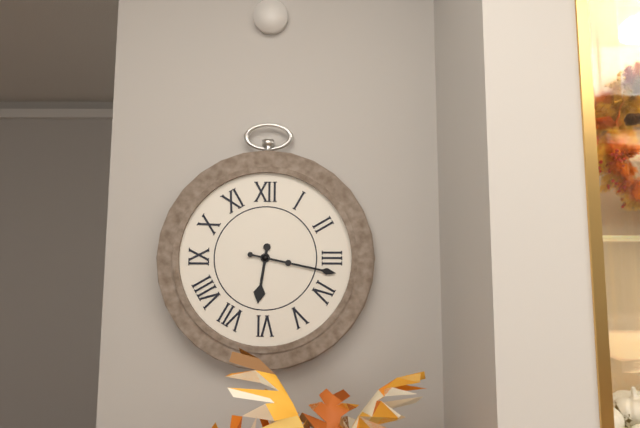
**6:17**
